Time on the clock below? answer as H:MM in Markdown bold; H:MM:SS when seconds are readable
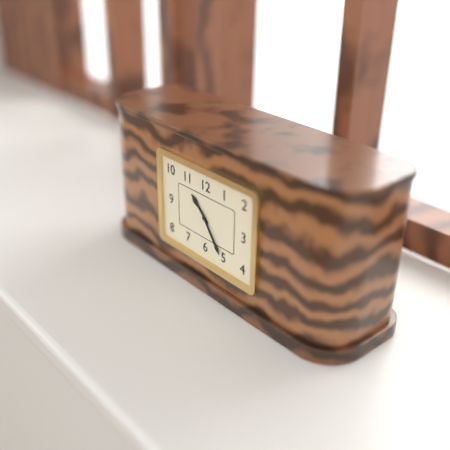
**10:24**
